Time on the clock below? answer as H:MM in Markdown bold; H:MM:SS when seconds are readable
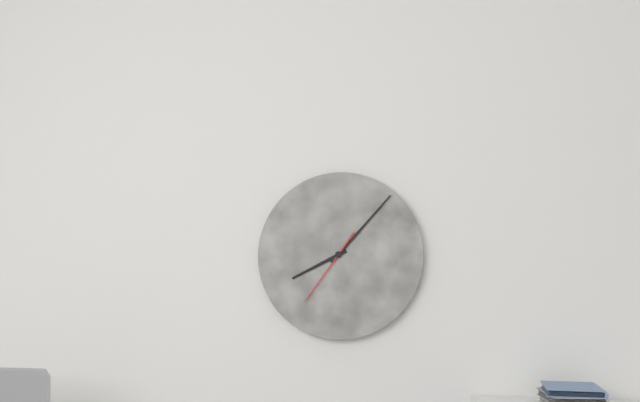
**8:07:36**
